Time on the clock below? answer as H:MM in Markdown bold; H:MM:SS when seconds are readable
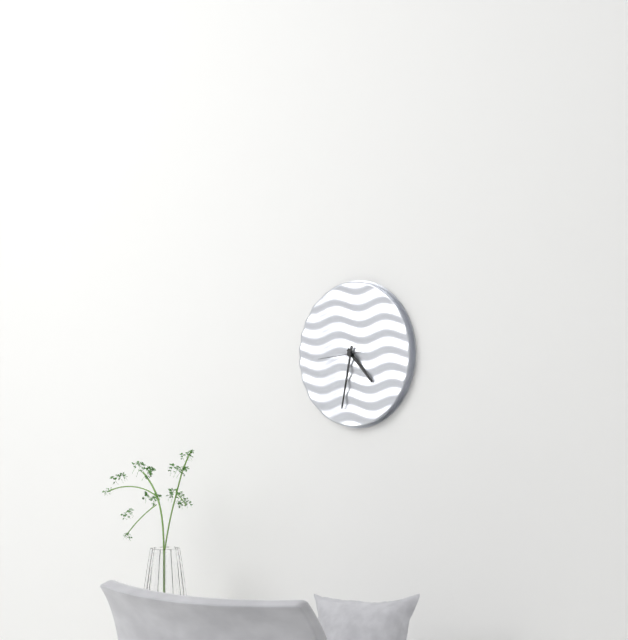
**4:32**
